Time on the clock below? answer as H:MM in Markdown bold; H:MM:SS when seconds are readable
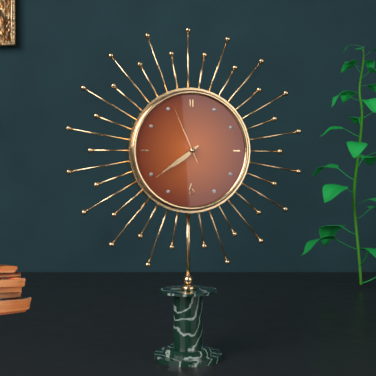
**7:39:56**
